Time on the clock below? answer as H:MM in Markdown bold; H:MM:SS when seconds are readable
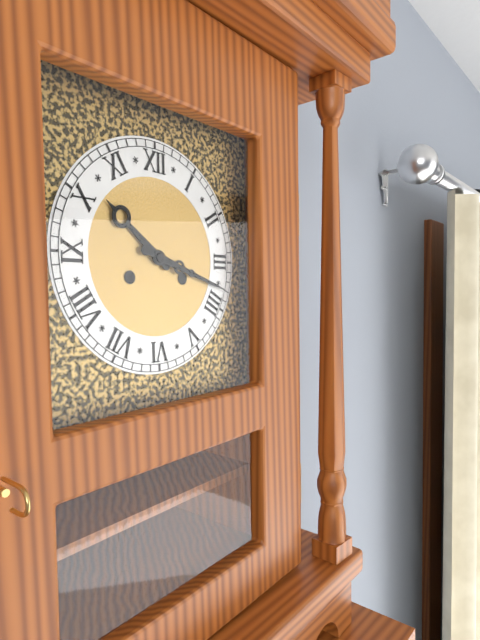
**10:18**
